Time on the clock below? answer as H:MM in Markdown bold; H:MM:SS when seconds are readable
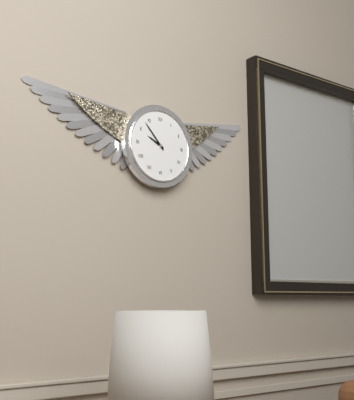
**9:53**
